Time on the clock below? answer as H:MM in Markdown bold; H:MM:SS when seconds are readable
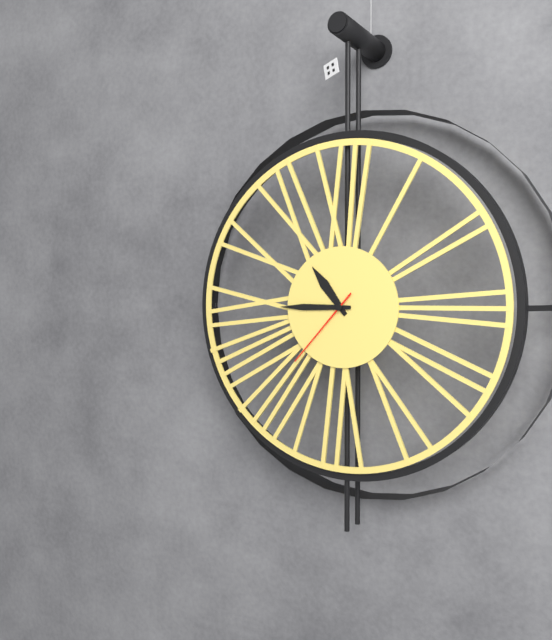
**10:45:37**
